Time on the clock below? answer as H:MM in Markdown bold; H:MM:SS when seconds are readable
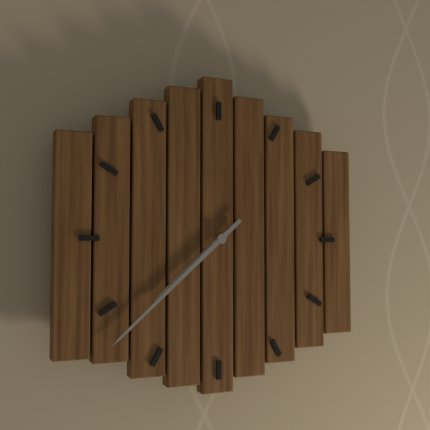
**7:38**
